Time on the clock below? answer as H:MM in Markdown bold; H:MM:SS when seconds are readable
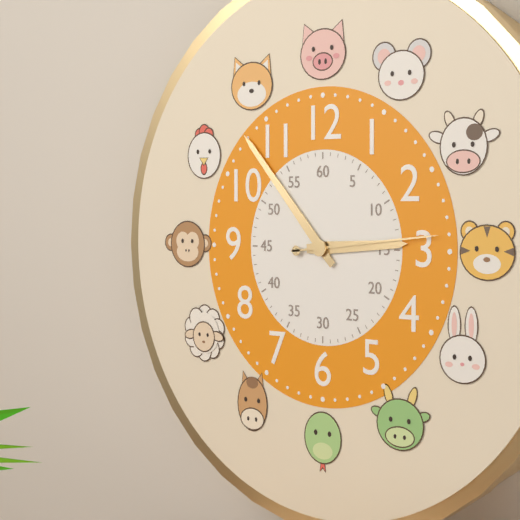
**2:53:14**
